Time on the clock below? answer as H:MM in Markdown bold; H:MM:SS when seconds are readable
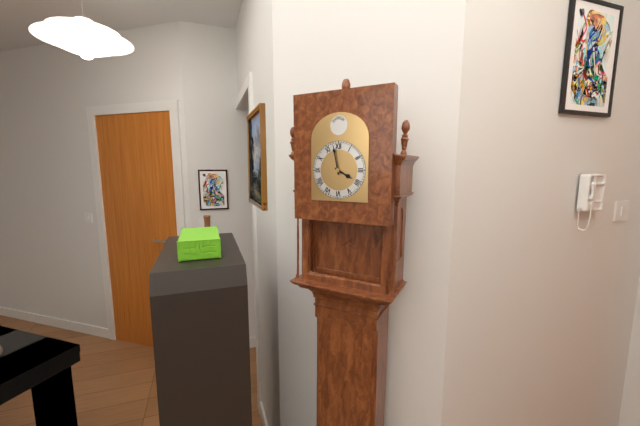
**3:58**
